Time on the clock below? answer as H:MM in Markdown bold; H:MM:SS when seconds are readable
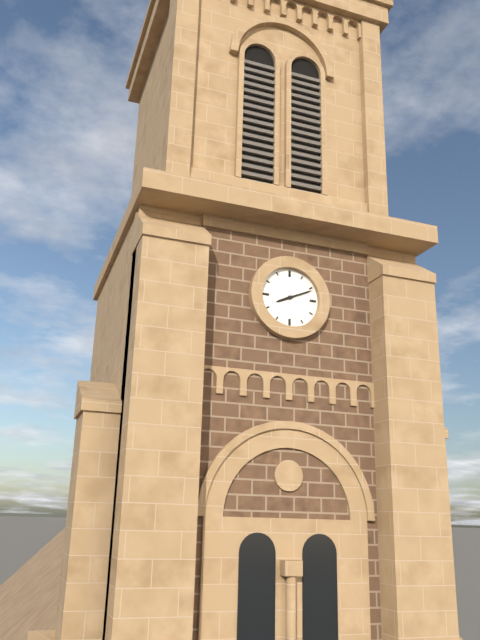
**8:11**
